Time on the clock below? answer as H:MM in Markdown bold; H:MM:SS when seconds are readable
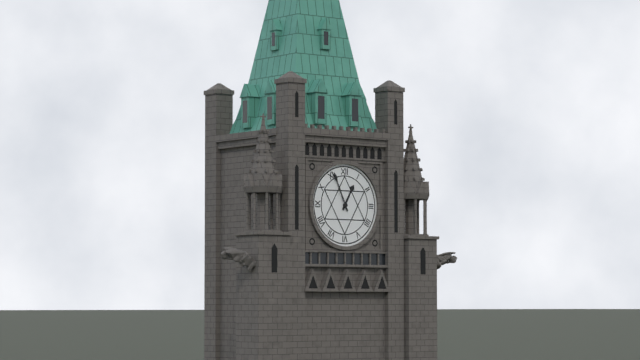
**12:56**
